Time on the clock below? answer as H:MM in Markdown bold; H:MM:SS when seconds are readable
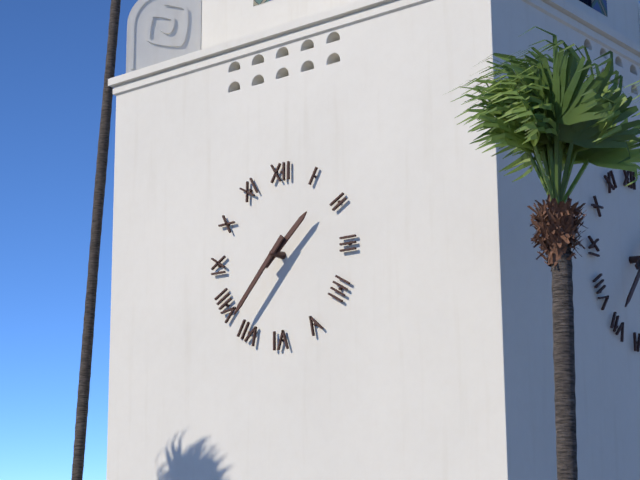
**1:37**
